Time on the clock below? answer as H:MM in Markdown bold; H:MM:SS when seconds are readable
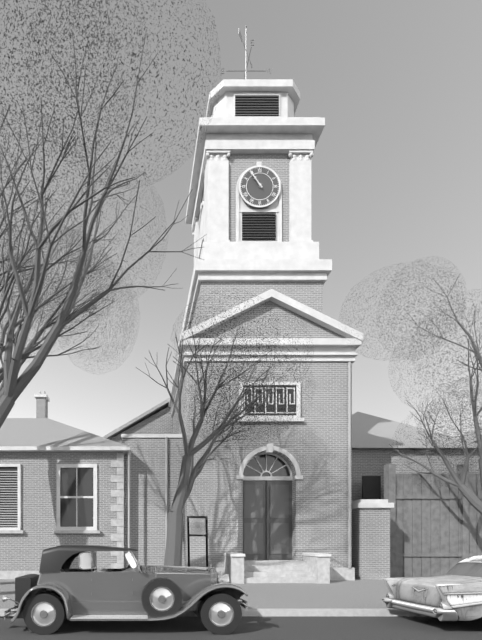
**10:54**
